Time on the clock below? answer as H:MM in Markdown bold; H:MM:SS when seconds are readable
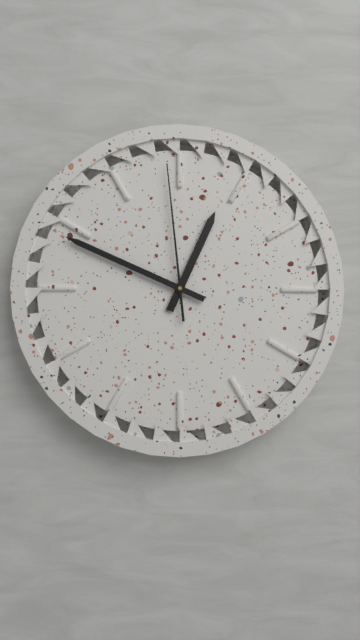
**12:49:59**
